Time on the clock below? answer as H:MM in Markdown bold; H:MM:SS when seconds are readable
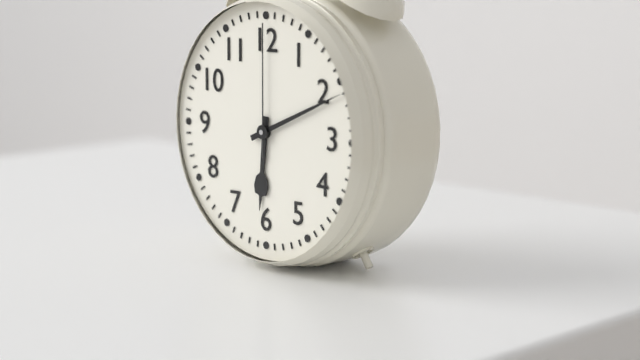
**6:11:00**
